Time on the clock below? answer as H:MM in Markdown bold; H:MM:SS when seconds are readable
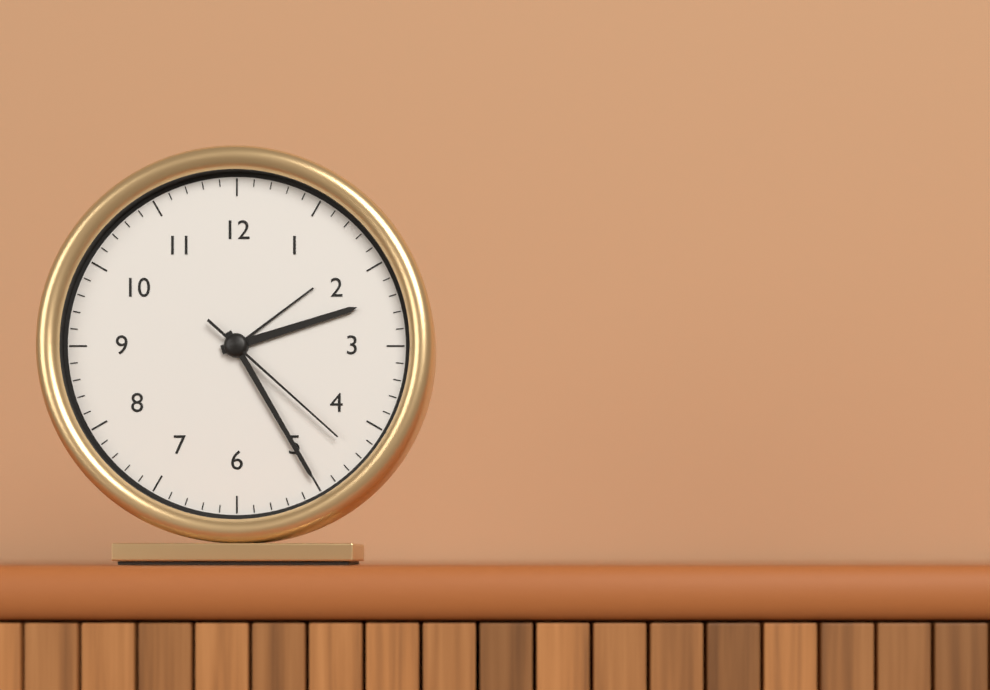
**2:25:22**
